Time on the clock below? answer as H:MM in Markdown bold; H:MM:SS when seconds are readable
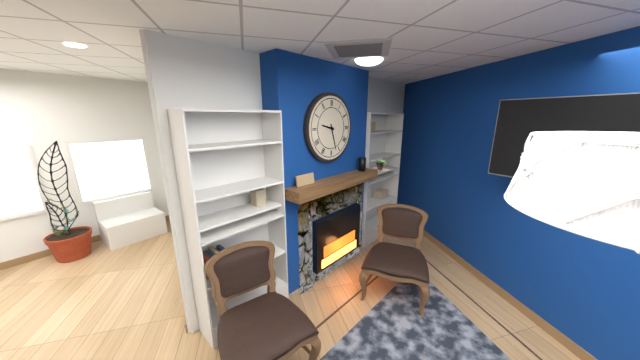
**9:27**
